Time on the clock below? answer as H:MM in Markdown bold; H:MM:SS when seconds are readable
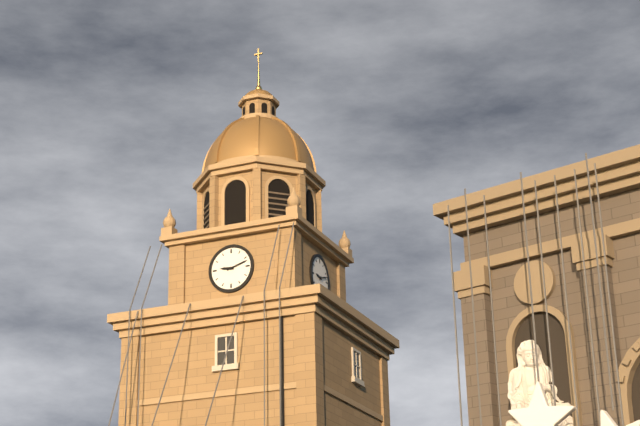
**9:12**
